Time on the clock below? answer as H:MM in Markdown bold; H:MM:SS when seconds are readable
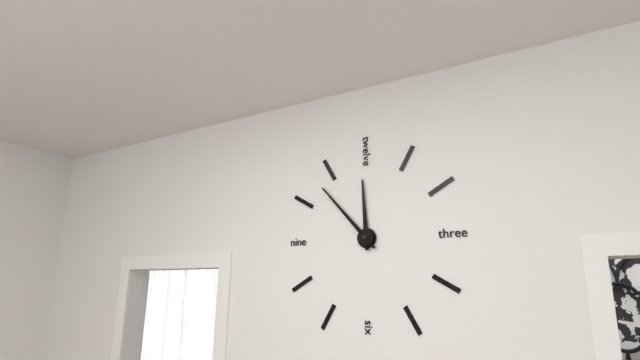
**11:53**
